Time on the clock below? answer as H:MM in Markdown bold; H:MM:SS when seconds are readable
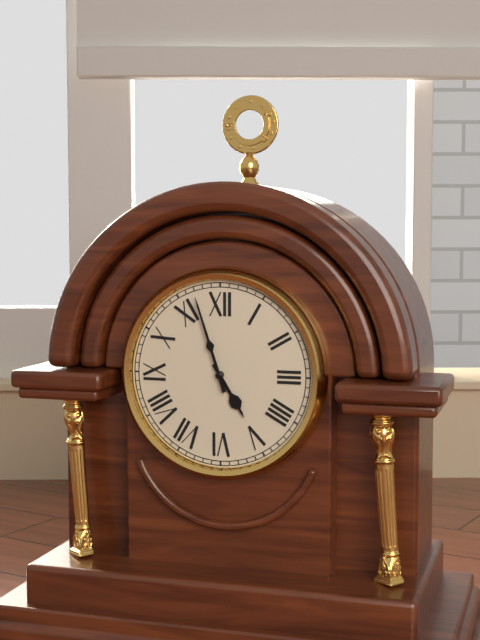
**4:57**
